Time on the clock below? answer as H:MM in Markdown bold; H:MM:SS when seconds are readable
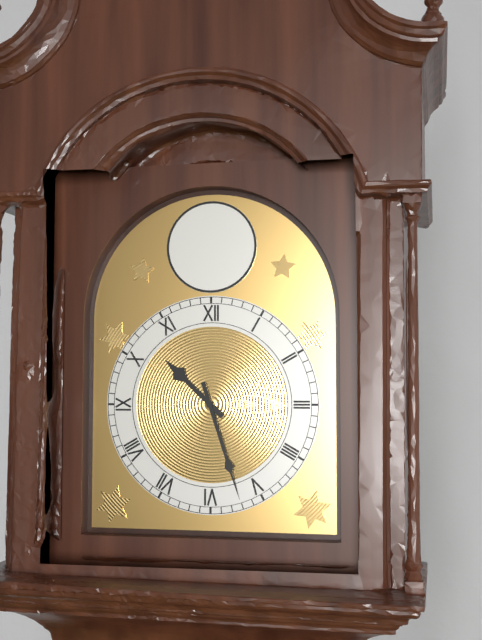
**10:27**
